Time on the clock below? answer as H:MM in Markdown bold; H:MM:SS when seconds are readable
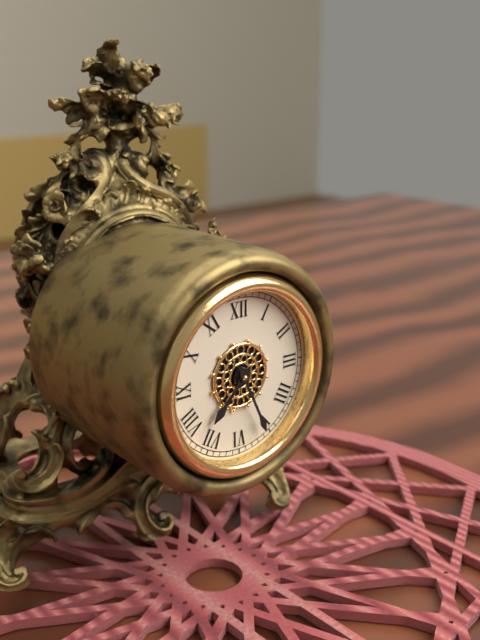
**7:26**
